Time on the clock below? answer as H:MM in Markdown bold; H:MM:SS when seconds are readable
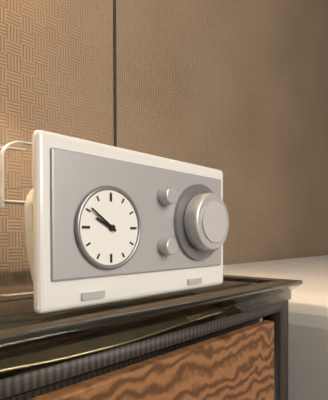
**9:51**
